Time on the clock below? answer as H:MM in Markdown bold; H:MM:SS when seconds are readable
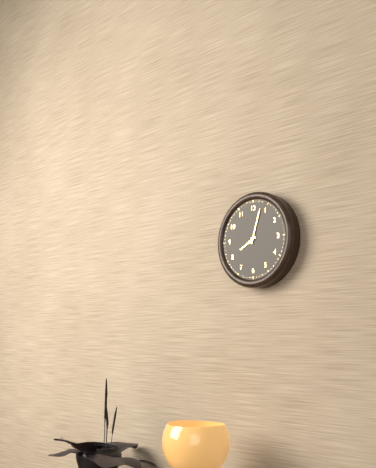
**8:03**
